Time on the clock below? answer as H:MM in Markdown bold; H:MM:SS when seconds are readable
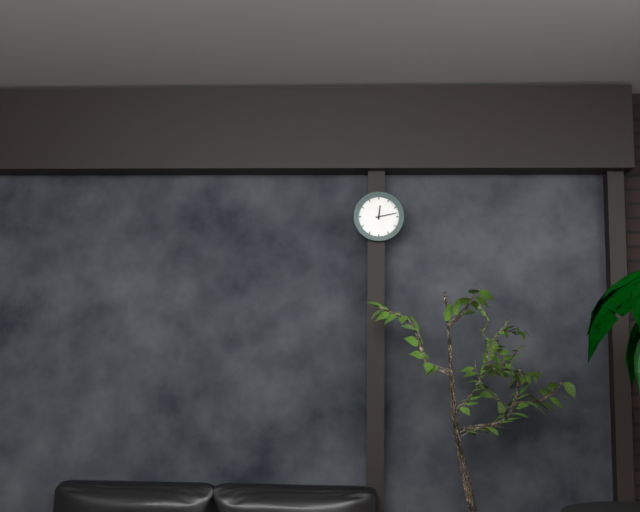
**12:13**
